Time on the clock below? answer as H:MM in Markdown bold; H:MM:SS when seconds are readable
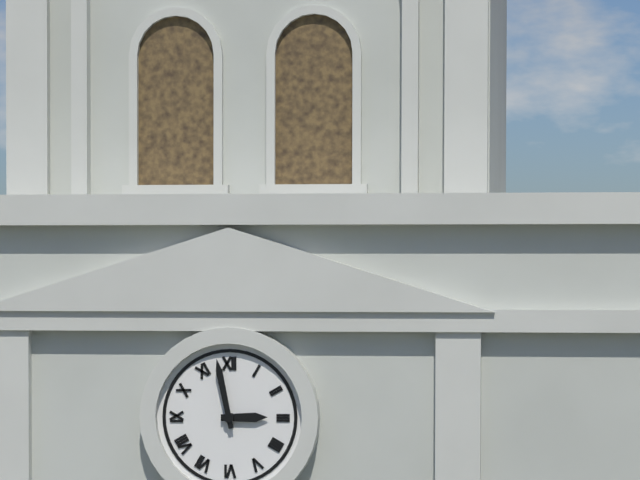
**2:58**
